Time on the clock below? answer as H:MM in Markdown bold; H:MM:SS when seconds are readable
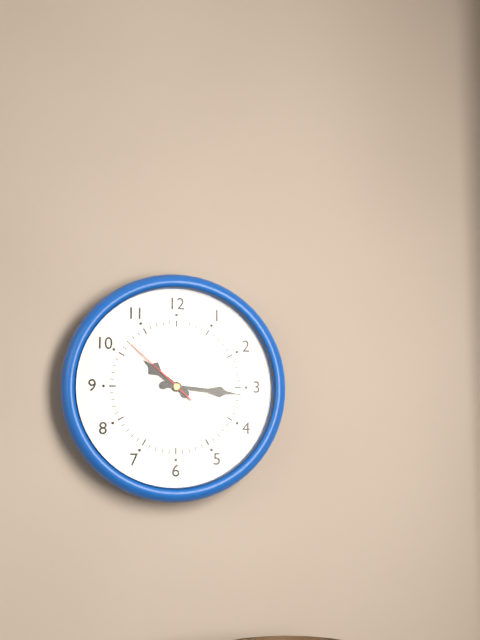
**10:16:52**
